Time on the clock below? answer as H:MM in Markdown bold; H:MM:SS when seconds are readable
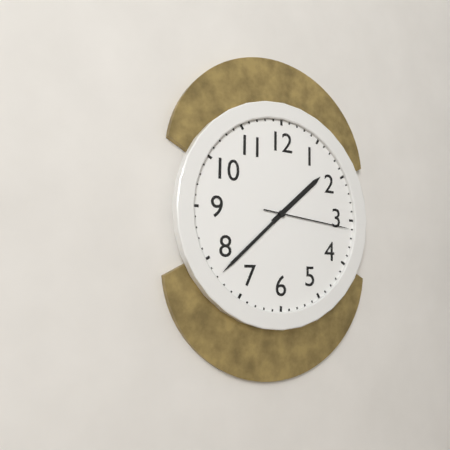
**1:38:16**
